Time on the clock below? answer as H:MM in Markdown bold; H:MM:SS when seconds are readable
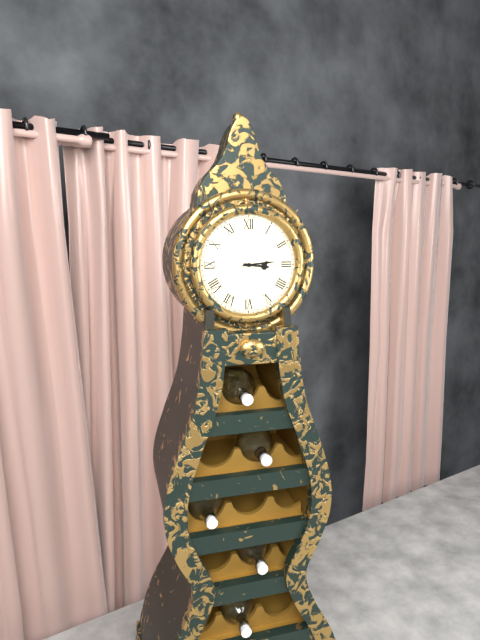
**3:14**
